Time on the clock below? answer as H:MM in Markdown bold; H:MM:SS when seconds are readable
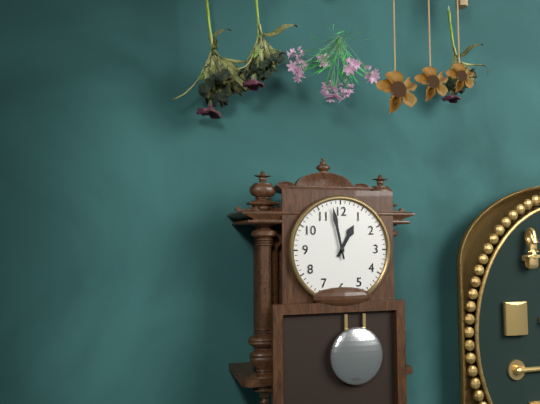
**12:58**
